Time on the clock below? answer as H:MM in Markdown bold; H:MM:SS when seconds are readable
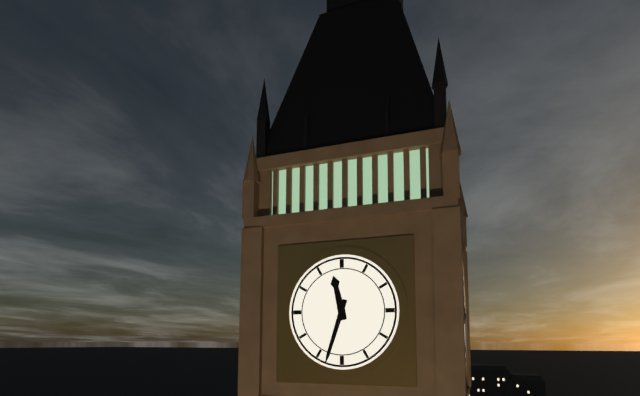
**11:33**
